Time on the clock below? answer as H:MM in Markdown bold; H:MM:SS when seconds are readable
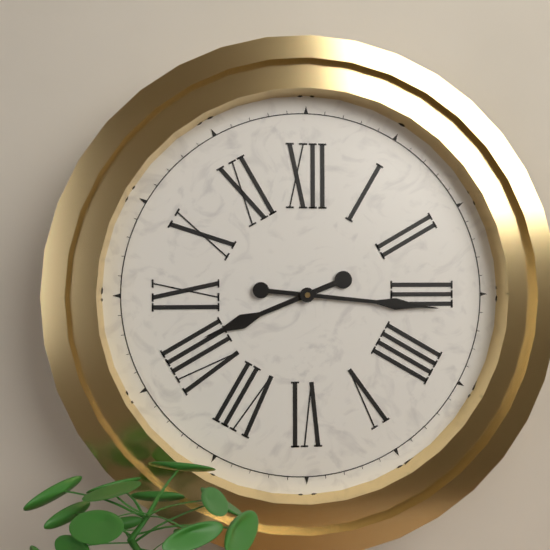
**8:16**
